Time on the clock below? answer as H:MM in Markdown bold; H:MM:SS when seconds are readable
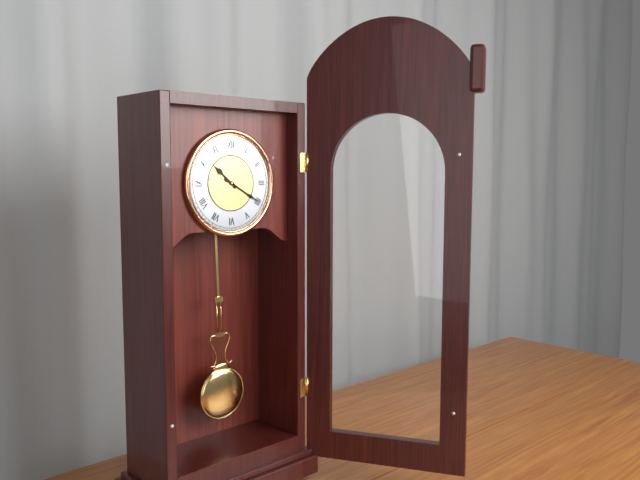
**10:20**
